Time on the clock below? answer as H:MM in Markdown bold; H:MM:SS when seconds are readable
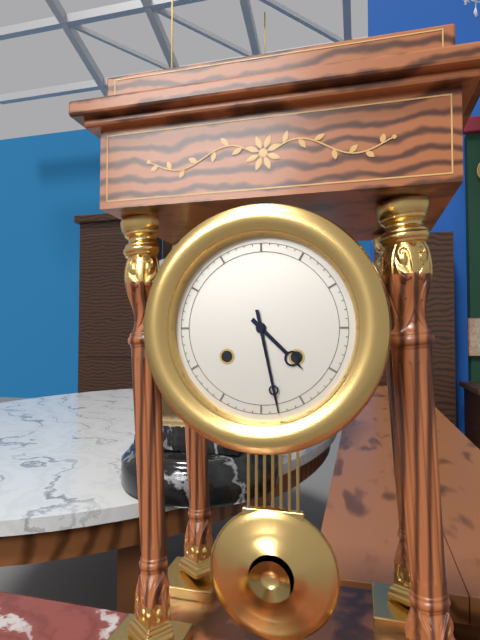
**4:28**
